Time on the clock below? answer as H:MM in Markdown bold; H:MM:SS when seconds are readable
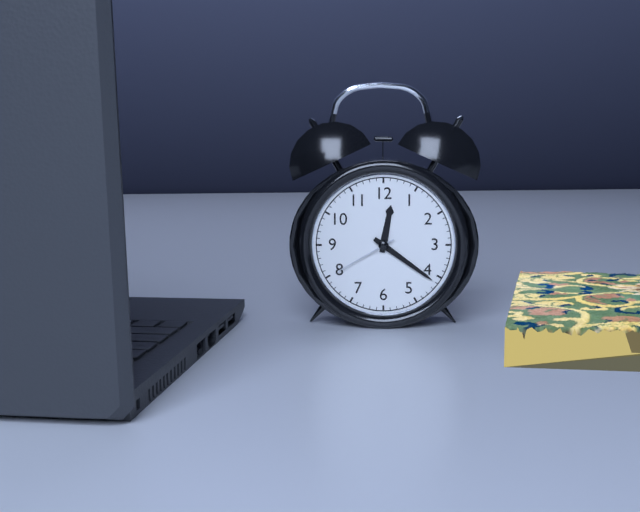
**12:21:40**
